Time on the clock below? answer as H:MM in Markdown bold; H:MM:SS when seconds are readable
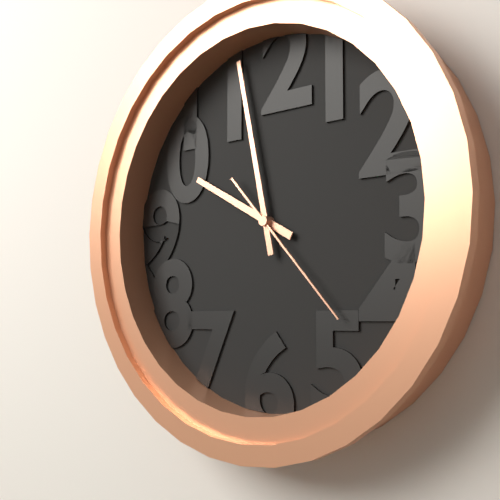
**9:58:23**
